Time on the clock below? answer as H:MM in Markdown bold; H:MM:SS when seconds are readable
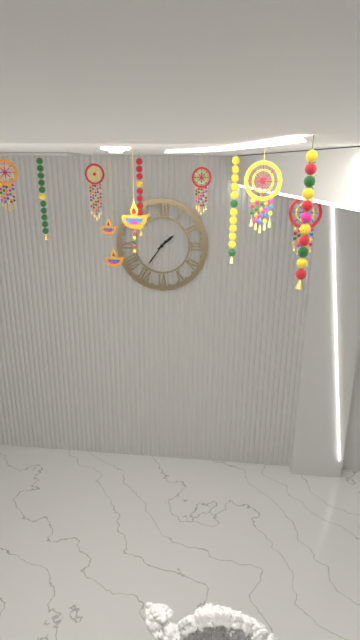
**1:36**
